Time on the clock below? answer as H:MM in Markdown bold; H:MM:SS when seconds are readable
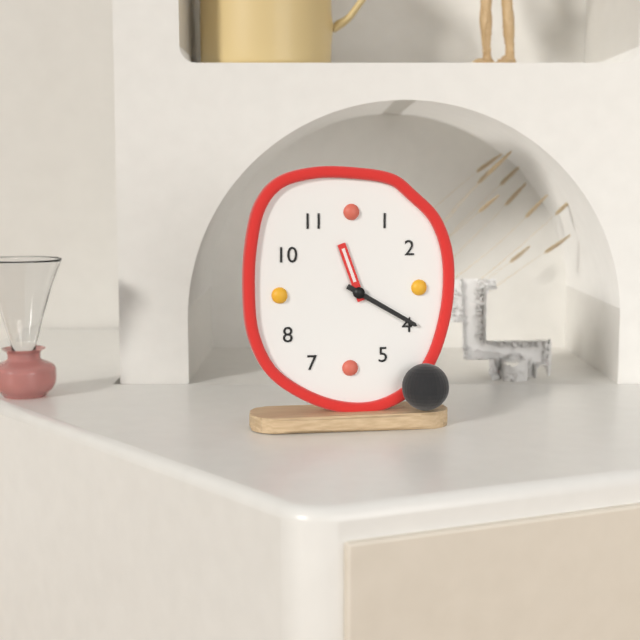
**11:20**
